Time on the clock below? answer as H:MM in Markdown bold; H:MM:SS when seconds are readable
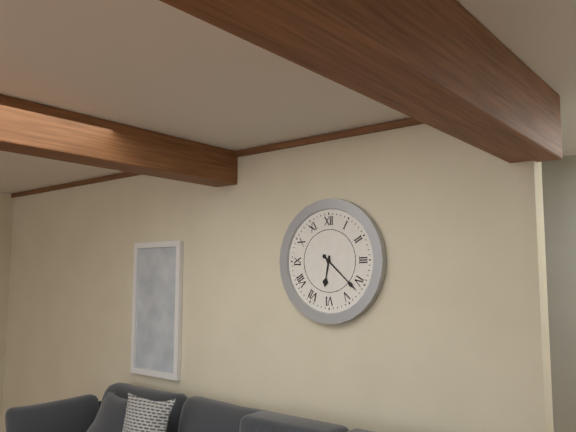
**6:22**
